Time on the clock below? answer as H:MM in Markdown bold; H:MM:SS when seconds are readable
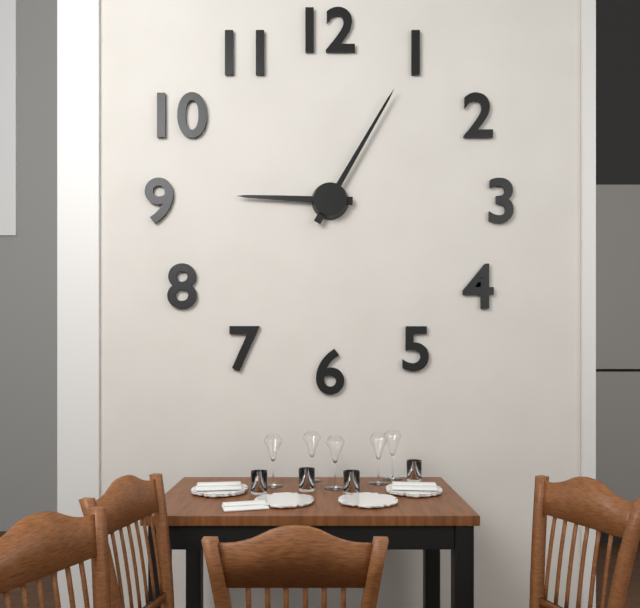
**9:05**
